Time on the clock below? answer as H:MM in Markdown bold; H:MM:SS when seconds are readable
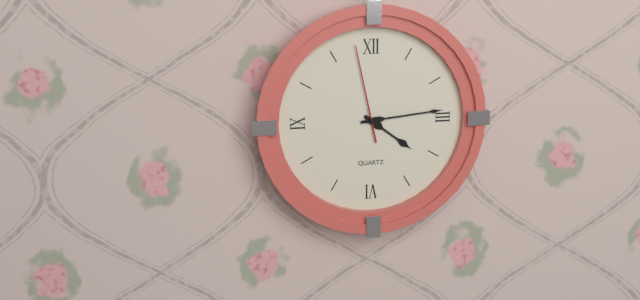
**4:14:58**
